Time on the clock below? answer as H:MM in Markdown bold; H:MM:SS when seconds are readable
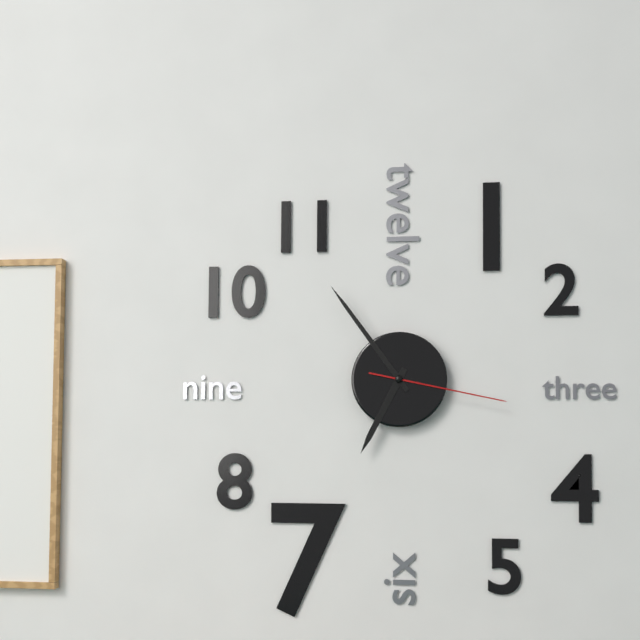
**6:54:17**
